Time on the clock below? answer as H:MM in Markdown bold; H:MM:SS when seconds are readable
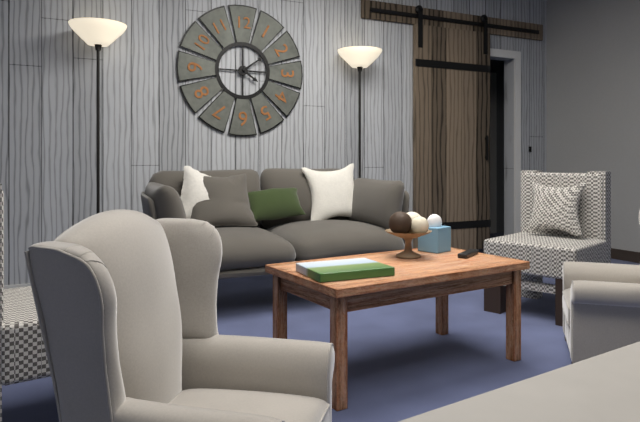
**4:09**
